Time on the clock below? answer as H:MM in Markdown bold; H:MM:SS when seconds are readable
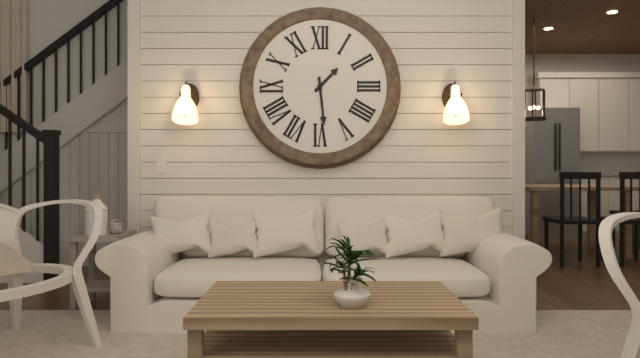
**1:29**
